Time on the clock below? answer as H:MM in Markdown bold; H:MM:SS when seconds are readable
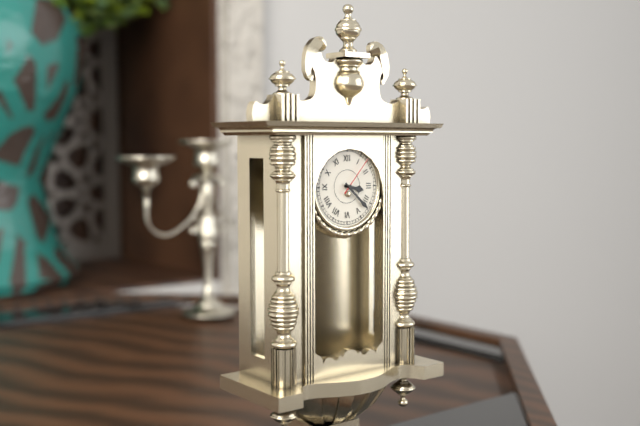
**3:22**
